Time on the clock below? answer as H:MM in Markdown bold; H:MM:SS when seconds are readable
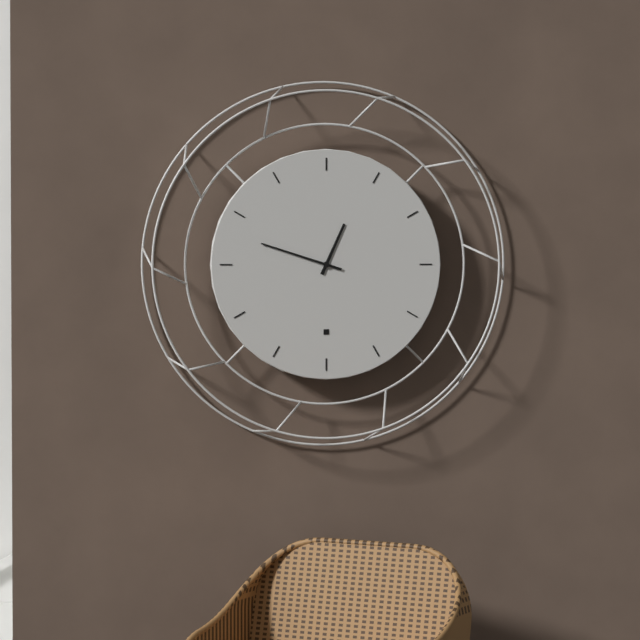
**12:48**
